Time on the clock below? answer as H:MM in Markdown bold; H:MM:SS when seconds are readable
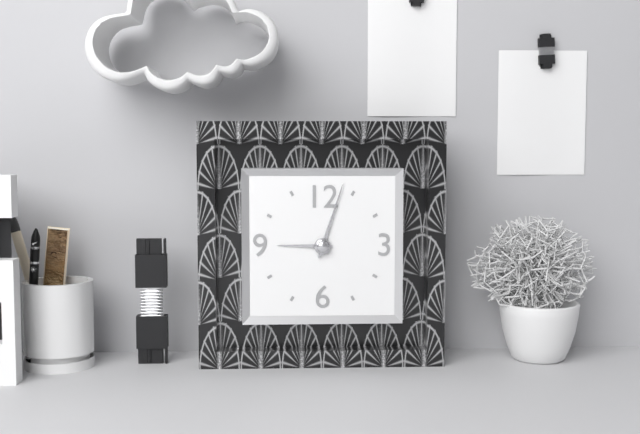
**9:03**
